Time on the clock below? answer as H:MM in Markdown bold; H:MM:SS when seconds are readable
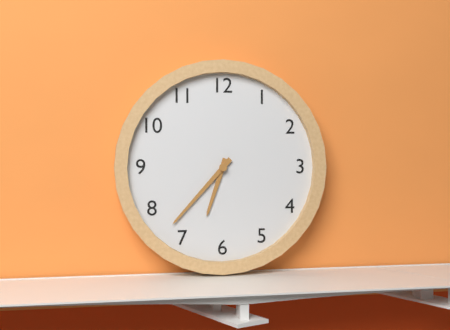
**6:37**
